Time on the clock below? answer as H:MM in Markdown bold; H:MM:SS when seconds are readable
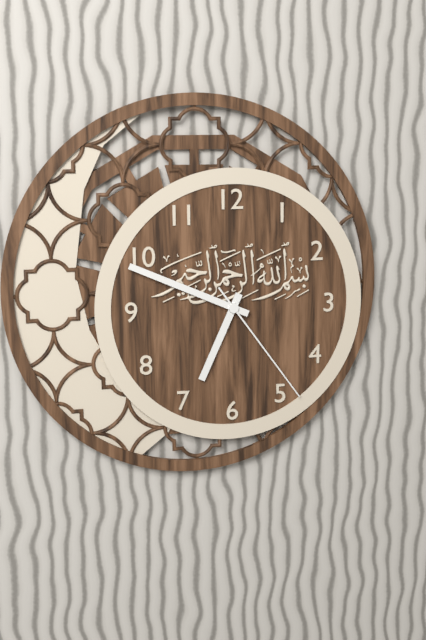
**6:49:24**
